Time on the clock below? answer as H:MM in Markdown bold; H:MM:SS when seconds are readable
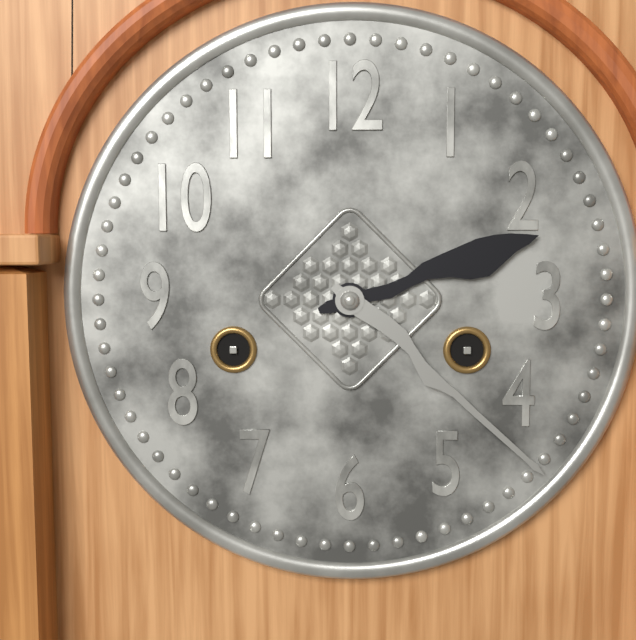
**2:22**
